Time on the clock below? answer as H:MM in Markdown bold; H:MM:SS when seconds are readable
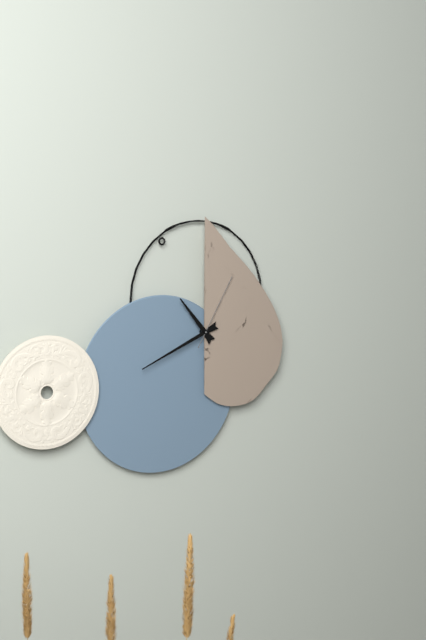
**10:41:05**
